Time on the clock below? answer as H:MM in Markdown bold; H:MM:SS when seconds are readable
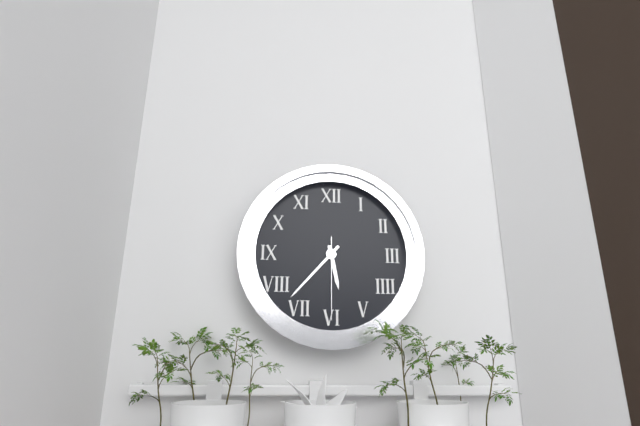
**5:37:30**
